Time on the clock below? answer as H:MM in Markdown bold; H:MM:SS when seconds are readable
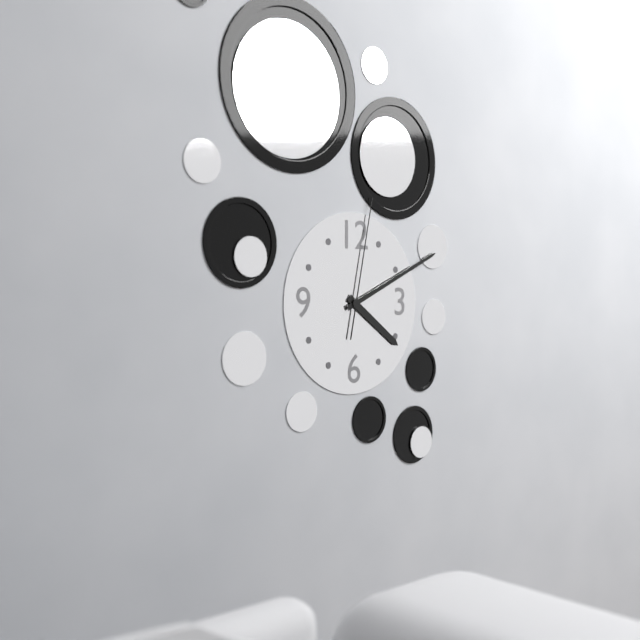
**4:11:02**
